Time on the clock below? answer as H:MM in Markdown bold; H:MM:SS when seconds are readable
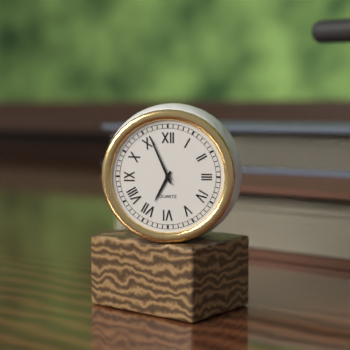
**6:56**
